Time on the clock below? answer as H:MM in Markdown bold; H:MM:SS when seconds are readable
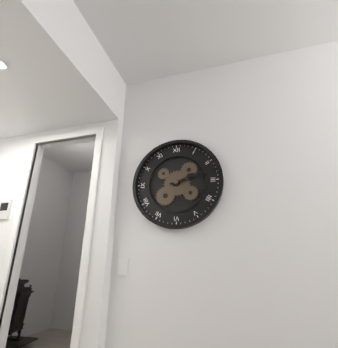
**2:13**
